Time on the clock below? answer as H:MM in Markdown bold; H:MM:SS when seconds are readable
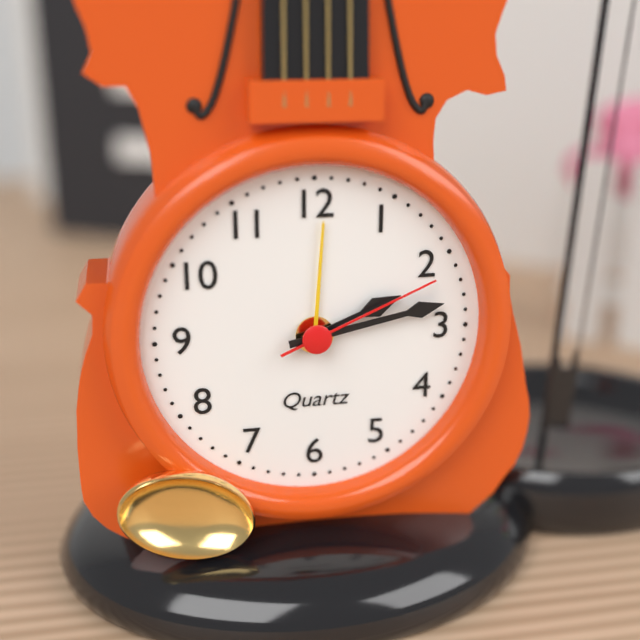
**2:13:11**
